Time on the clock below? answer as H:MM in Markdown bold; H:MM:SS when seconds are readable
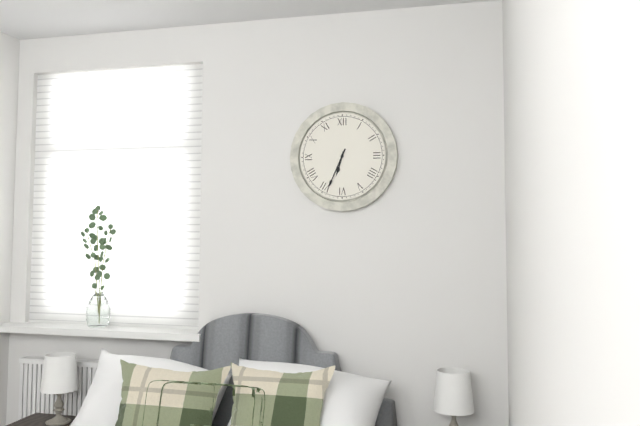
**6:34**
